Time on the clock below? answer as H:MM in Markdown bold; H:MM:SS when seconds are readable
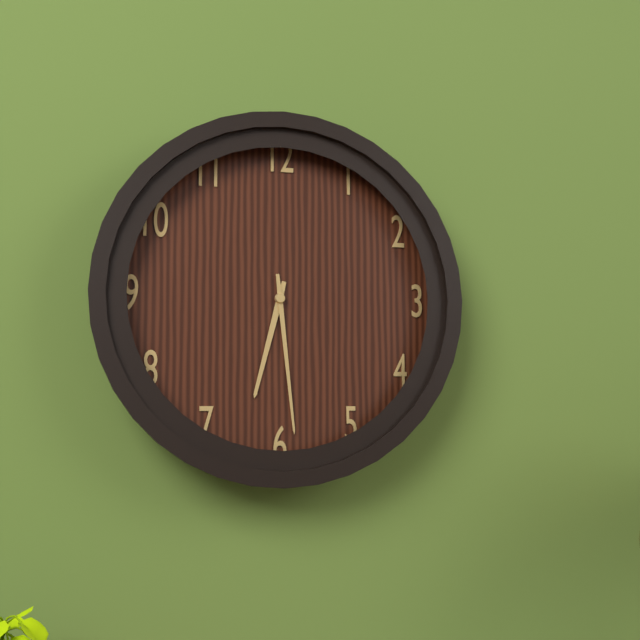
**6:29**
